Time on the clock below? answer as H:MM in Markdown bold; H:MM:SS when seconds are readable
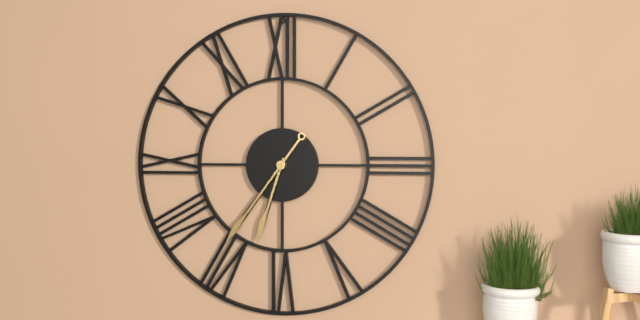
**6:36**
